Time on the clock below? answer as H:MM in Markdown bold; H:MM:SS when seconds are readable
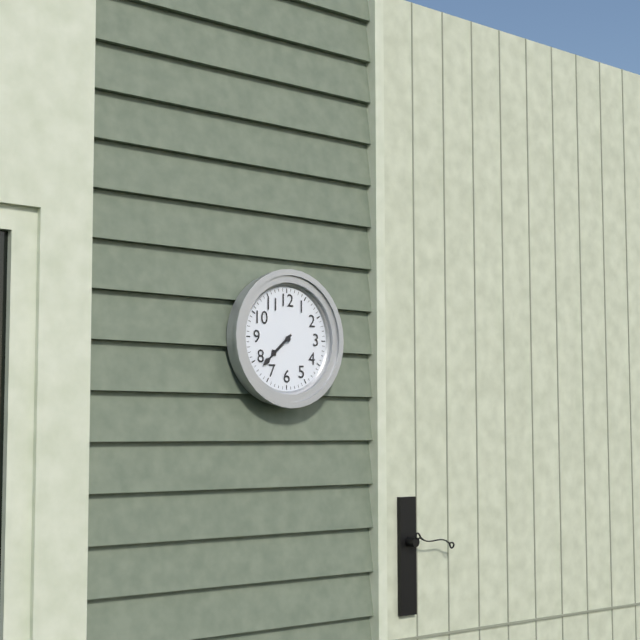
**7:38**
